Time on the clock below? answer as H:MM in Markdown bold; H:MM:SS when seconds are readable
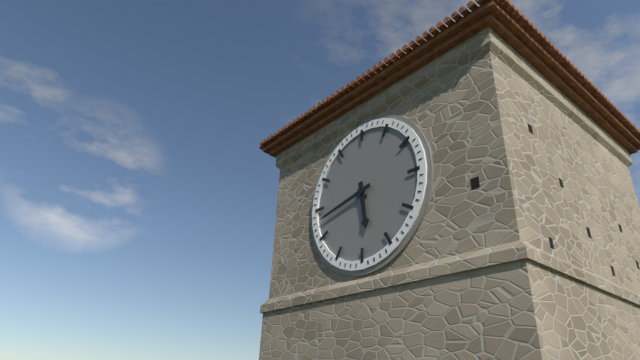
**5:43**
